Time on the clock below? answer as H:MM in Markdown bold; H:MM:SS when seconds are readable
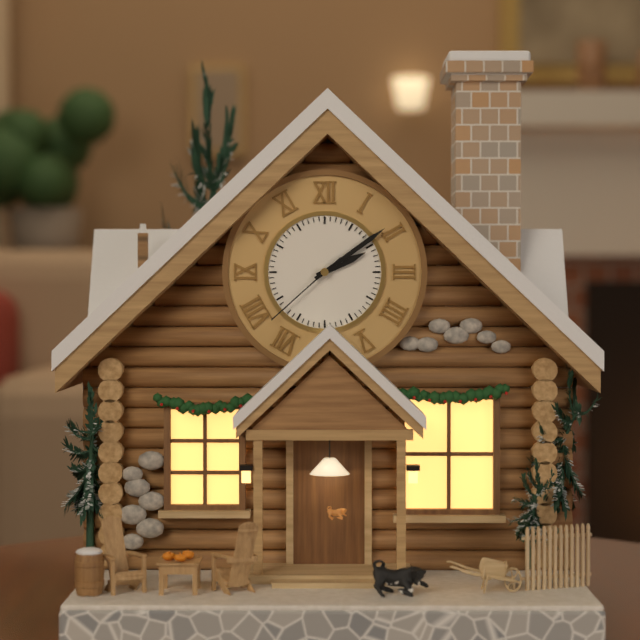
**2:09:38**
